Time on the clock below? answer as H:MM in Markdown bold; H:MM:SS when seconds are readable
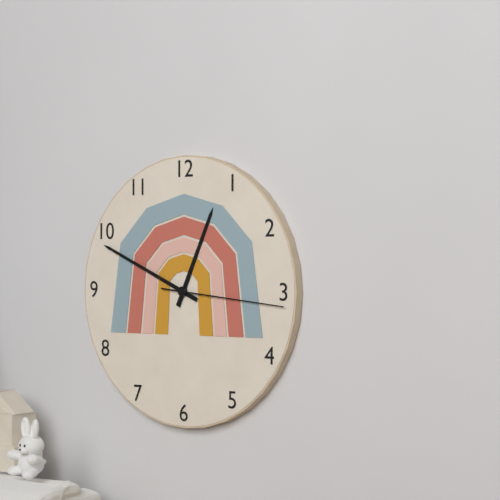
**12:49:16**
